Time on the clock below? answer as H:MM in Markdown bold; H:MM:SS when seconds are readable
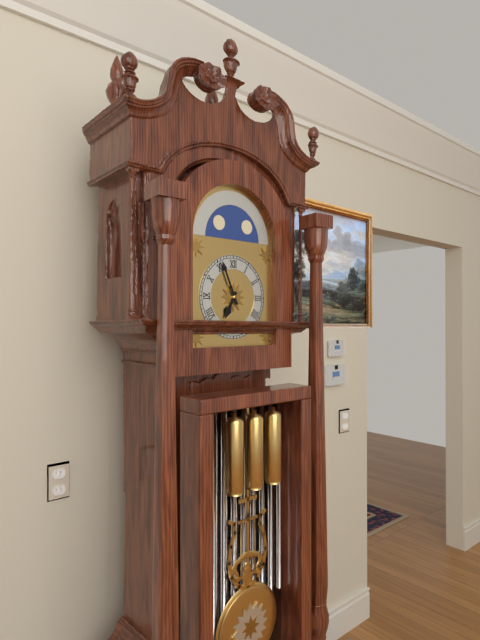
**6:56**
